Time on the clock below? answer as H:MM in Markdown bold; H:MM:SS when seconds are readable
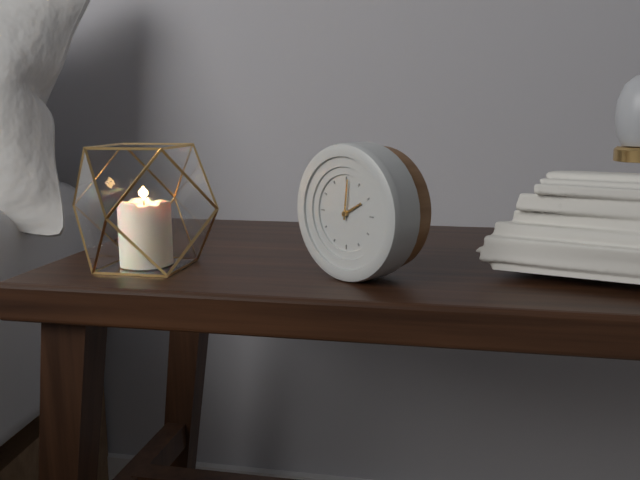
**2:01**
